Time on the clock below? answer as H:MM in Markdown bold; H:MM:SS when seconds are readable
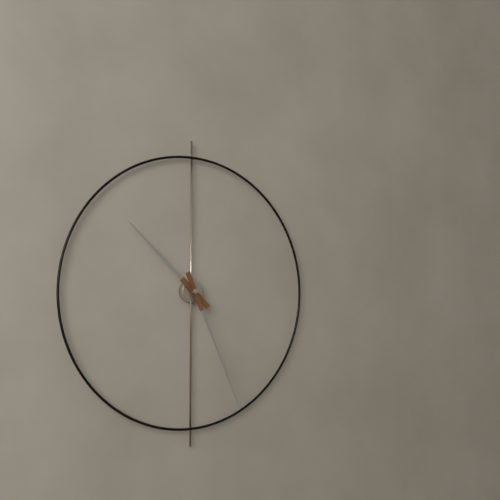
**10:26**
